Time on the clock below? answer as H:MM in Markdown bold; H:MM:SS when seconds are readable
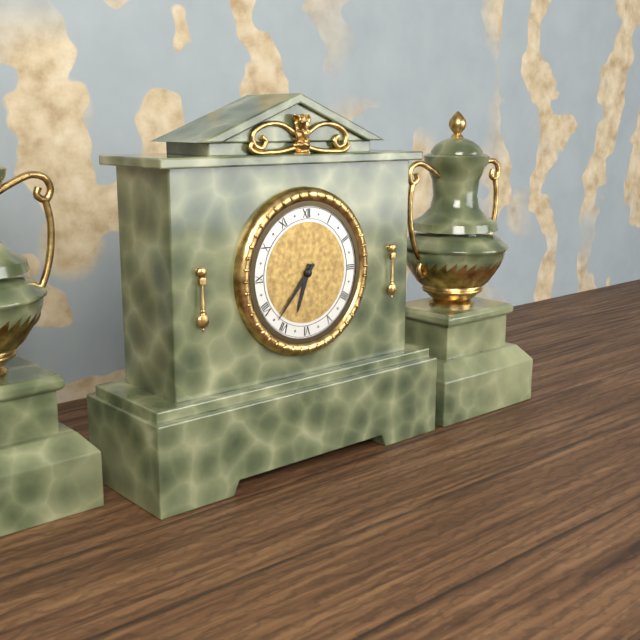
**6:37**
